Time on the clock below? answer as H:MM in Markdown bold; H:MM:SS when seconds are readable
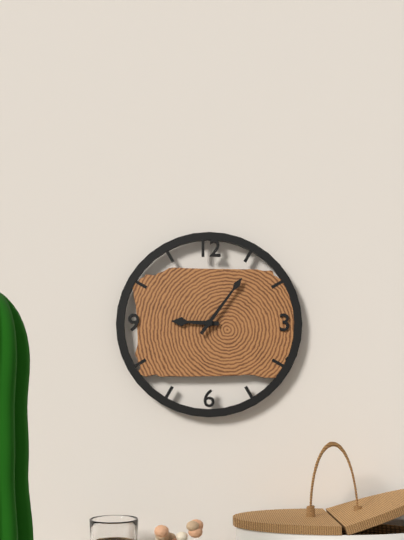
**9:06**
